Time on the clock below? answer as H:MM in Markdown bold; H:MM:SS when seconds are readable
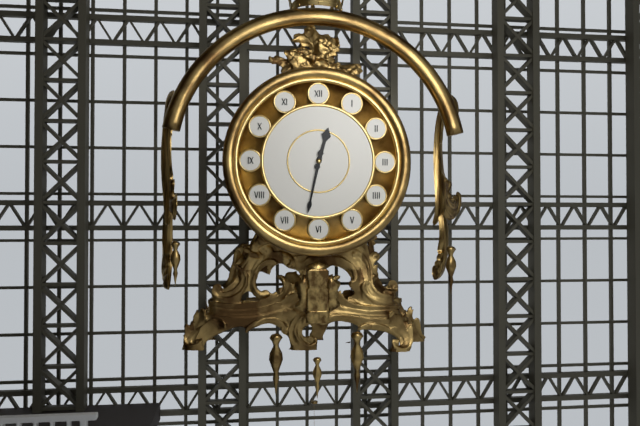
**12:32**
